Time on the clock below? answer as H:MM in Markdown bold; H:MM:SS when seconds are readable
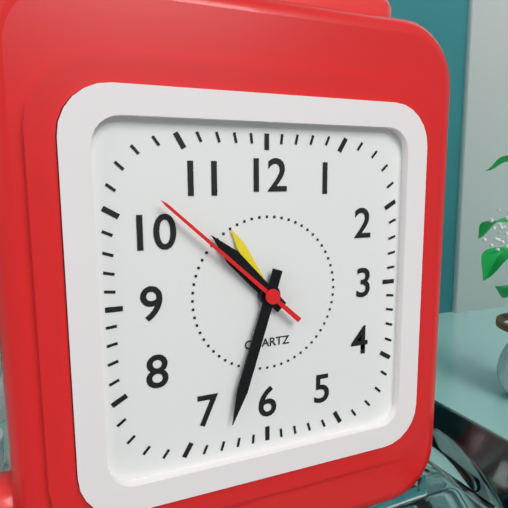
**10:33:52**
